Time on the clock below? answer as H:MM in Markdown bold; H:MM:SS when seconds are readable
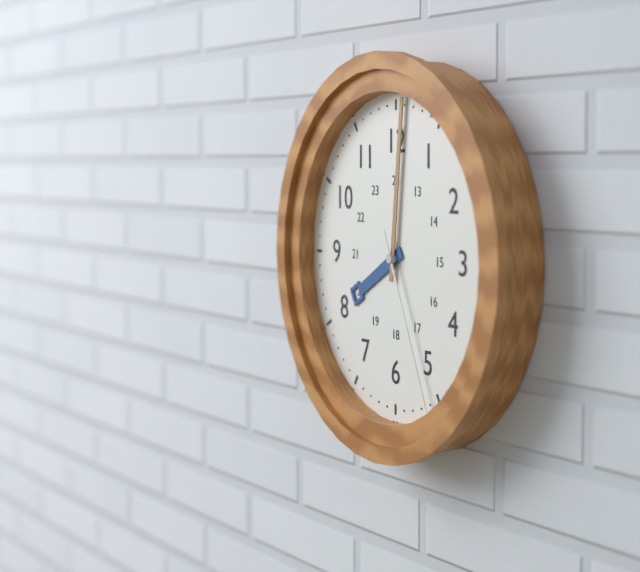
**8:01:26**
